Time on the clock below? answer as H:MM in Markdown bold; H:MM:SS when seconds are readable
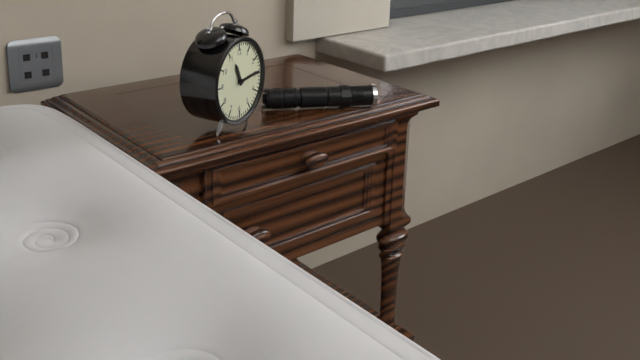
**11:14**
